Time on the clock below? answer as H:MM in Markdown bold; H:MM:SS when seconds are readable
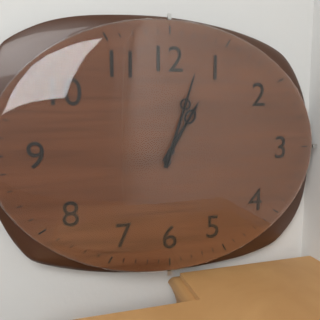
**1:03**
